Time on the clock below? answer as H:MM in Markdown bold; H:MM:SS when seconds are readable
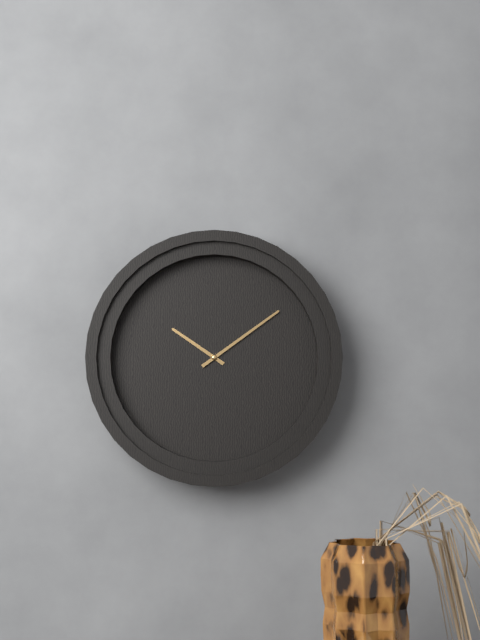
**10:09**
